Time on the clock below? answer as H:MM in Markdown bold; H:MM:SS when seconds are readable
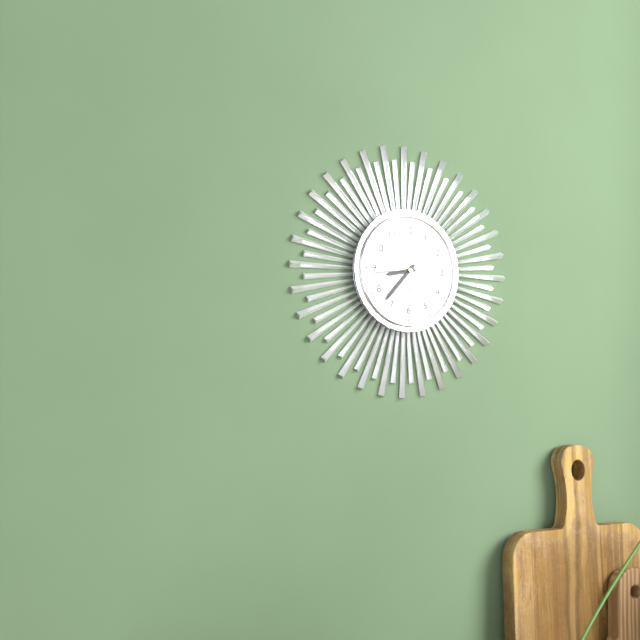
**8:37**
